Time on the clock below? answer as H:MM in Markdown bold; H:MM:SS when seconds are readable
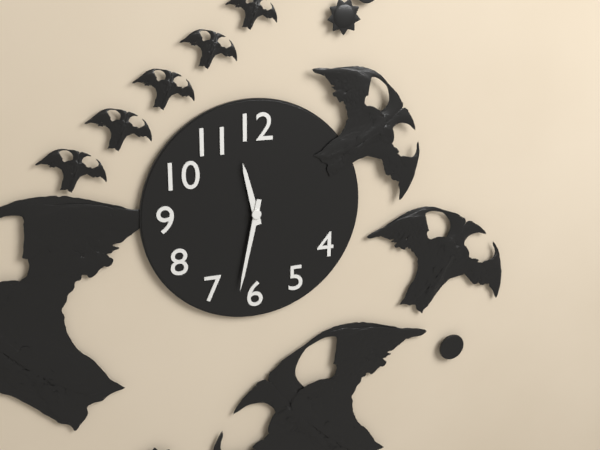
**11:32**
